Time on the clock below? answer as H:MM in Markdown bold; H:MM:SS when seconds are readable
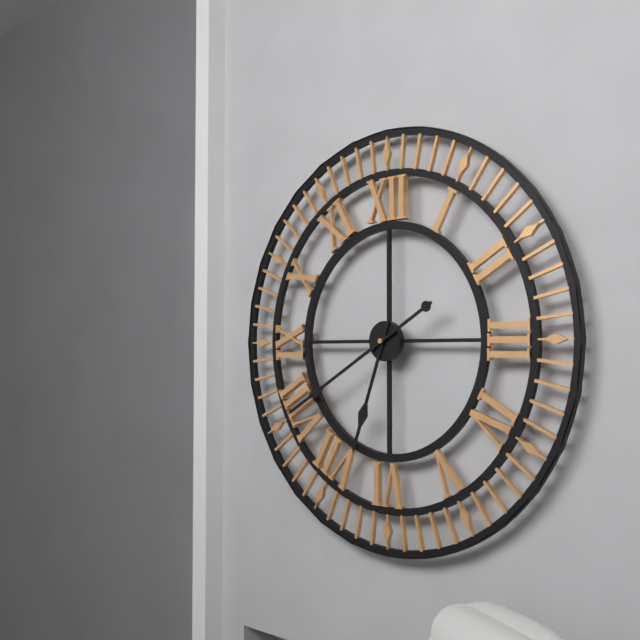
**6:40**
